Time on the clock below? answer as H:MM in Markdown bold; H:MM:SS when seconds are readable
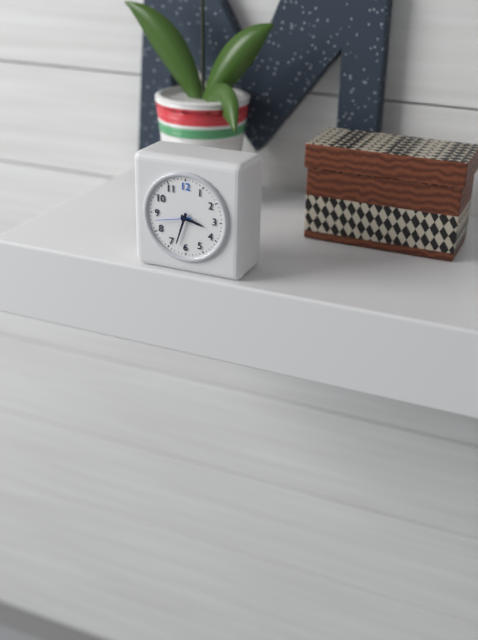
**3:33**
